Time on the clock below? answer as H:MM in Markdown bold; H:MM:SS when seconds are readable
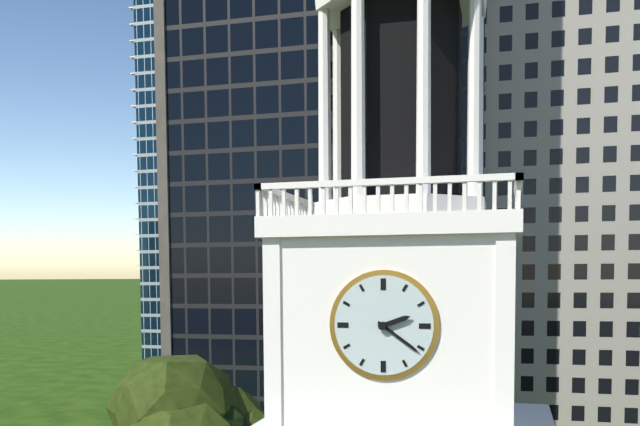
**2:21**
